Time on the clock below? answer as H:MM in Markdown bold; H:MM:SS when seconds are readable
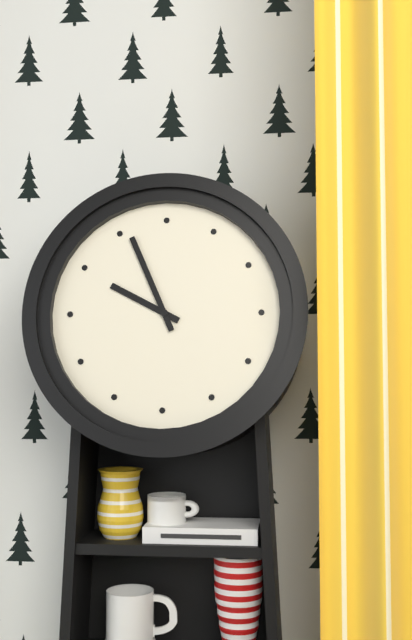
**9:56**
